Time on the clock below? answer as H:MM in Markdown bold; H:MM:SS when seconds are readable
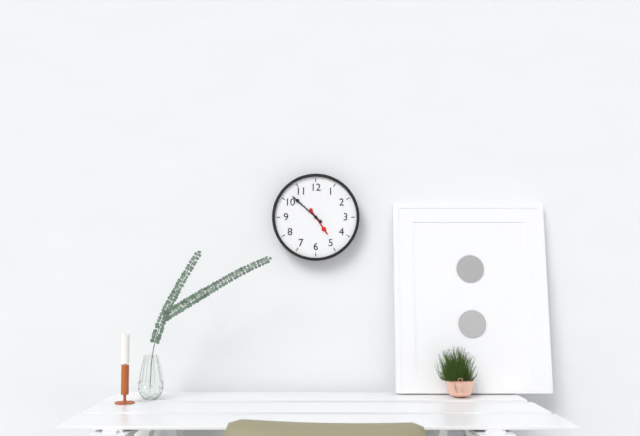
**4:52**
